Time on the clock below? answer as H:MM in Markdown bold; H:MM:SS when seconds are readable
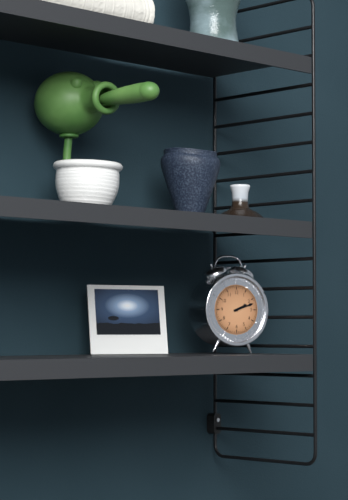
**2:12**
